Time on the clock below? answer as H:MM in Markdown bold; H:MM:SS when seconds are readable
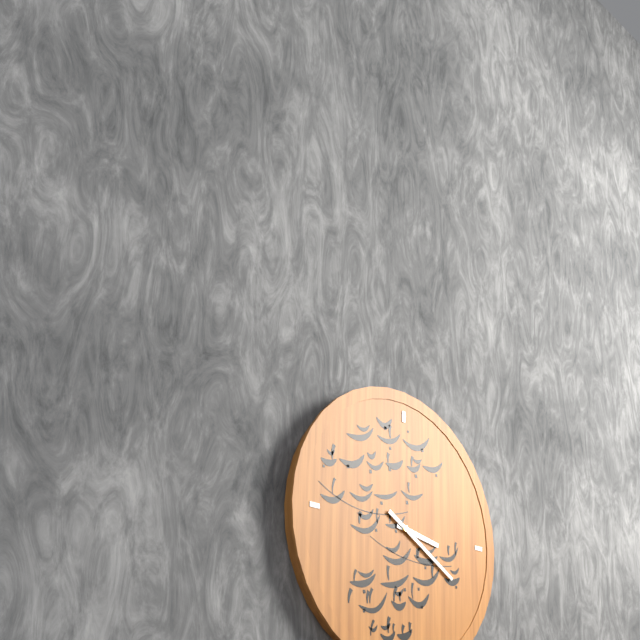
**3:20**
